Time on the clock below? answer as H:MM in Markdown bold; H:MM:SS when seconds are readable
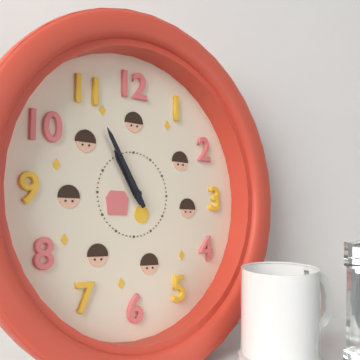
**10:55**
